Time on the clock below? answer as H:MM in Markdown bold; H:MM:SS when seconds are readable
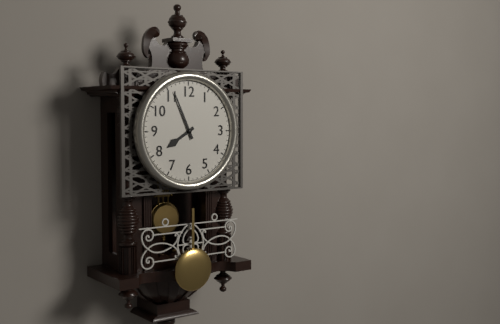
**7:56**
